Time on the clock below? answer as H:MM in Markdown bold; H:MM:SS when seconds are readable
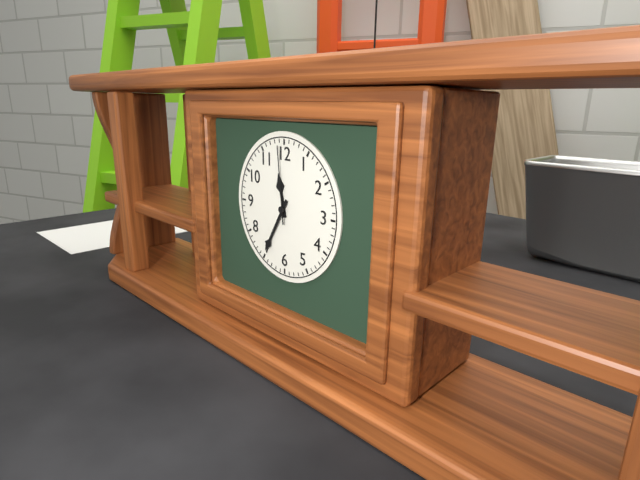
**11:35:59**
